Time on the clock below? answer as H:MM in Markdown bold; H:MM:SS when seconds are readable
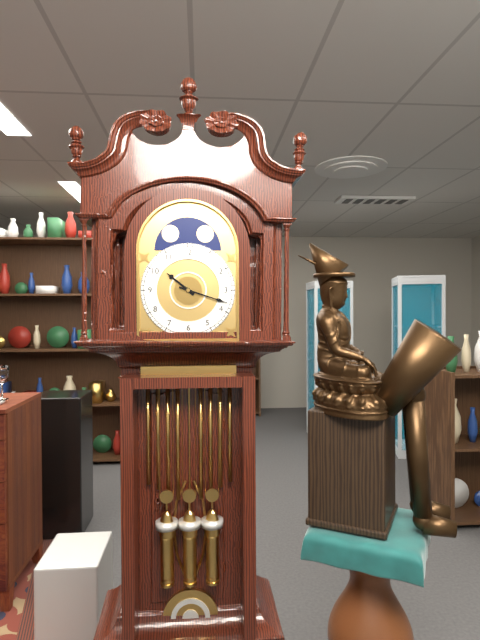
**10:18**
